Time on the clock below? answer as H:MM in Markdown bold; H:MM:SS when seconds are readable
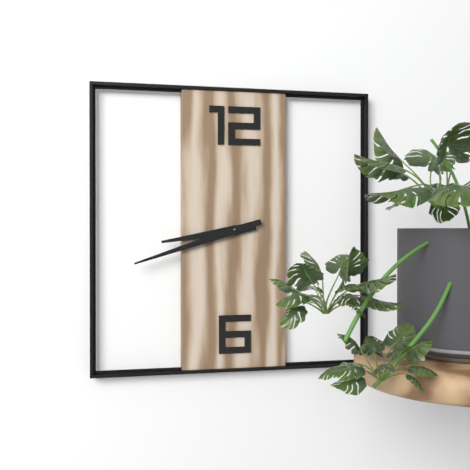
**8:42**
